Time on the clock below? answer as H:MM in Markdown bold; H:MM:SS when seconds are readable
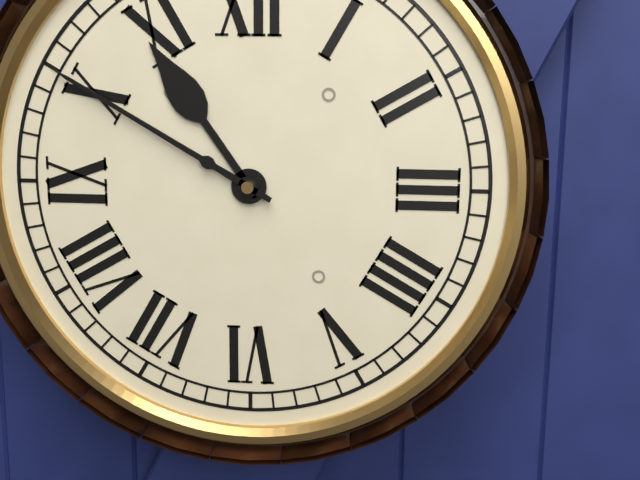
**10:50**
